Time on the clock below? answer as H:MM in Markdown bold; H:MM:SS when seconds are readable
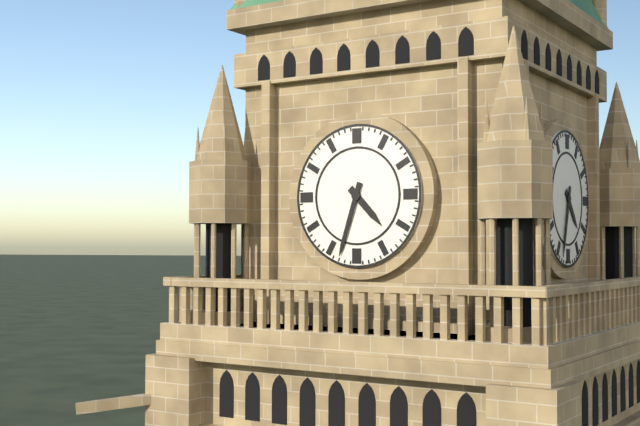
**4:33**
